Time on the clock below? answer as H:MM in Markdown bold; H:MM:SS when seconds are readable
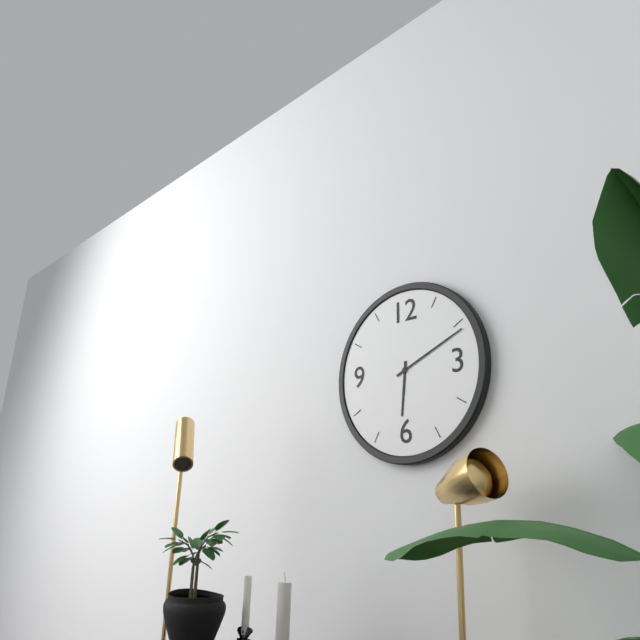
**6:11**
